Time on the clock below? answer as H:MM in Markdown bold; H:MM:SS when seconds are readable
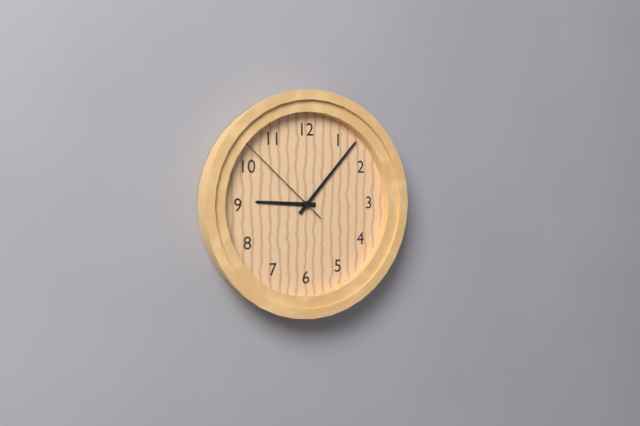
**9:07:52**
